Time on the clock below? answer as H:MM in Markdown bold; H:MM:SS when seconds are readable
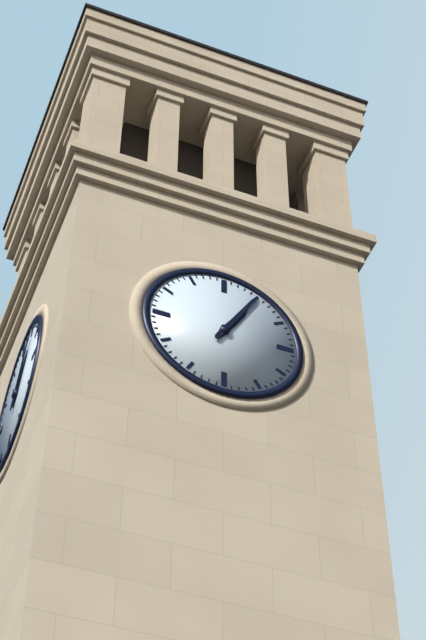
**1:05**
